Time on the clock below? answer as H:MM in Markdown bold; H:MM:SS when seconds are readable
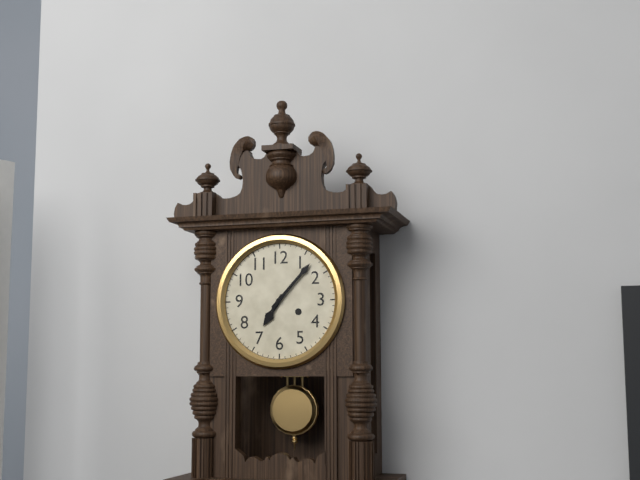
**7:07**
